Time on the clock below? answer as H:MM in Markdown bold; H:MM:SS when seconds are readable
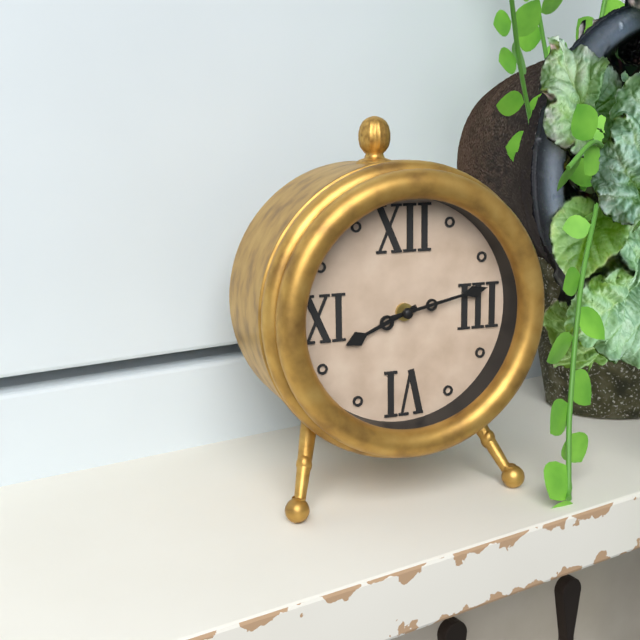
**8:13**
